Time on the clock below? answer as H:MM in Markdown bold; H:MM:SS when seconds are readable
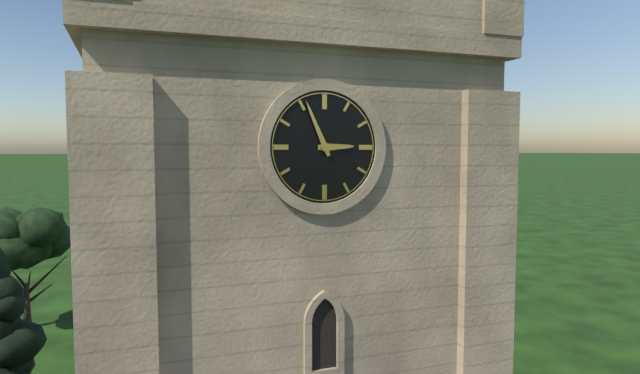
**2:56**
